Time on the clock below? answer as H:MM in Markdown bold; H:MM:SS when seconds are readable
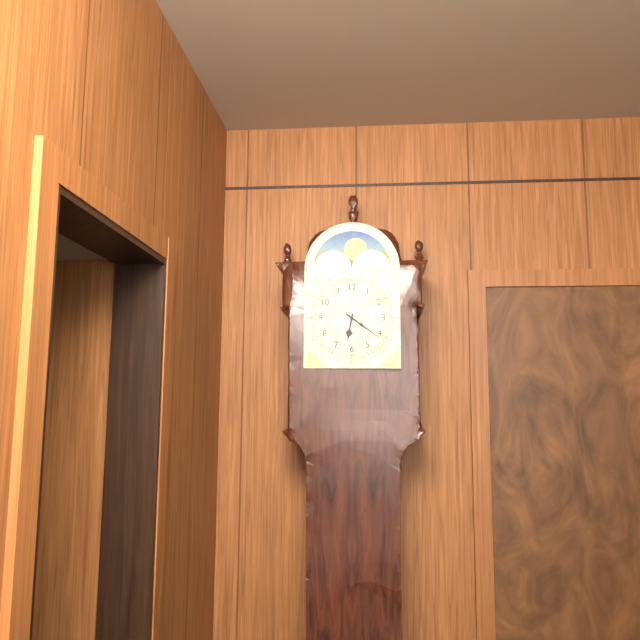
**6:21**
